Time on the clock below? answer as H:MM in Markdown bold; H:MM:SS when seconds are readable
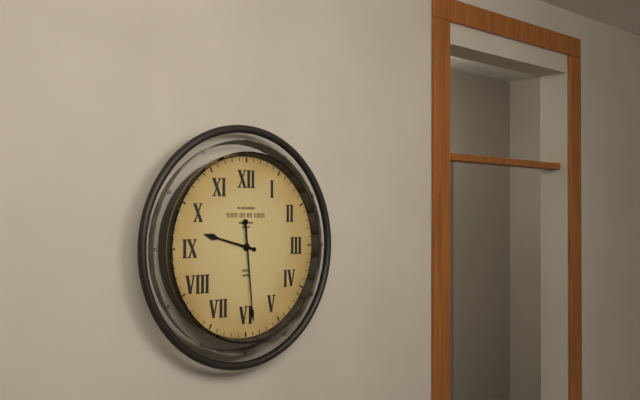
**9:29**
